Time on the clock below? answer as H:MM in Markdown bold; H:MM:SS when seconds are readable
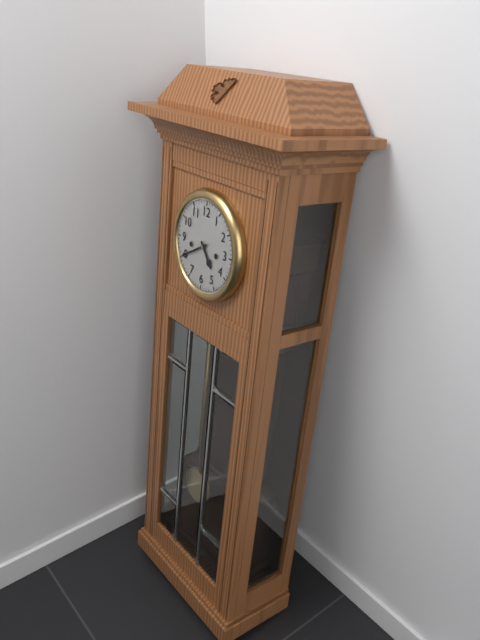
**4:40**
